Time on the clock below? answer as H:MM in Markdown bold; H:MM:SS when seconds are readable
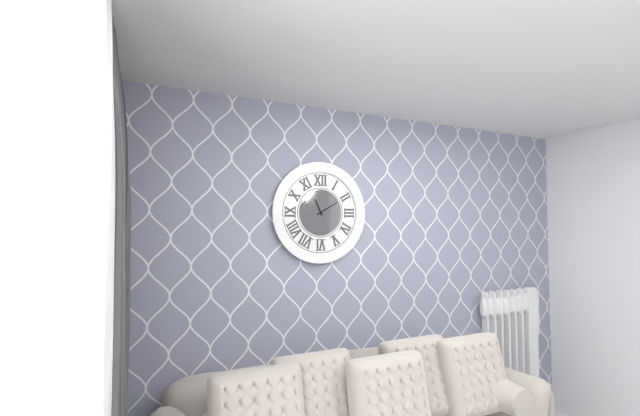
**11:10**
